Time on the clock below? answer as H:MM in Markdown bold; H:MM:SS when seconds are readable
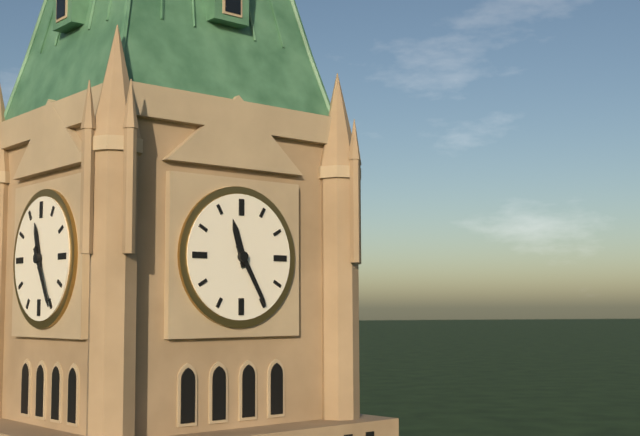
**11:25**
